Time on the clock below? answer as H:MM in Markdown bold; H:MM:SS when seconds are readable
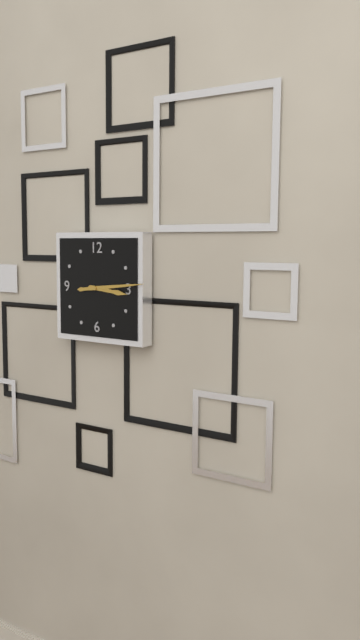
**3:14**
